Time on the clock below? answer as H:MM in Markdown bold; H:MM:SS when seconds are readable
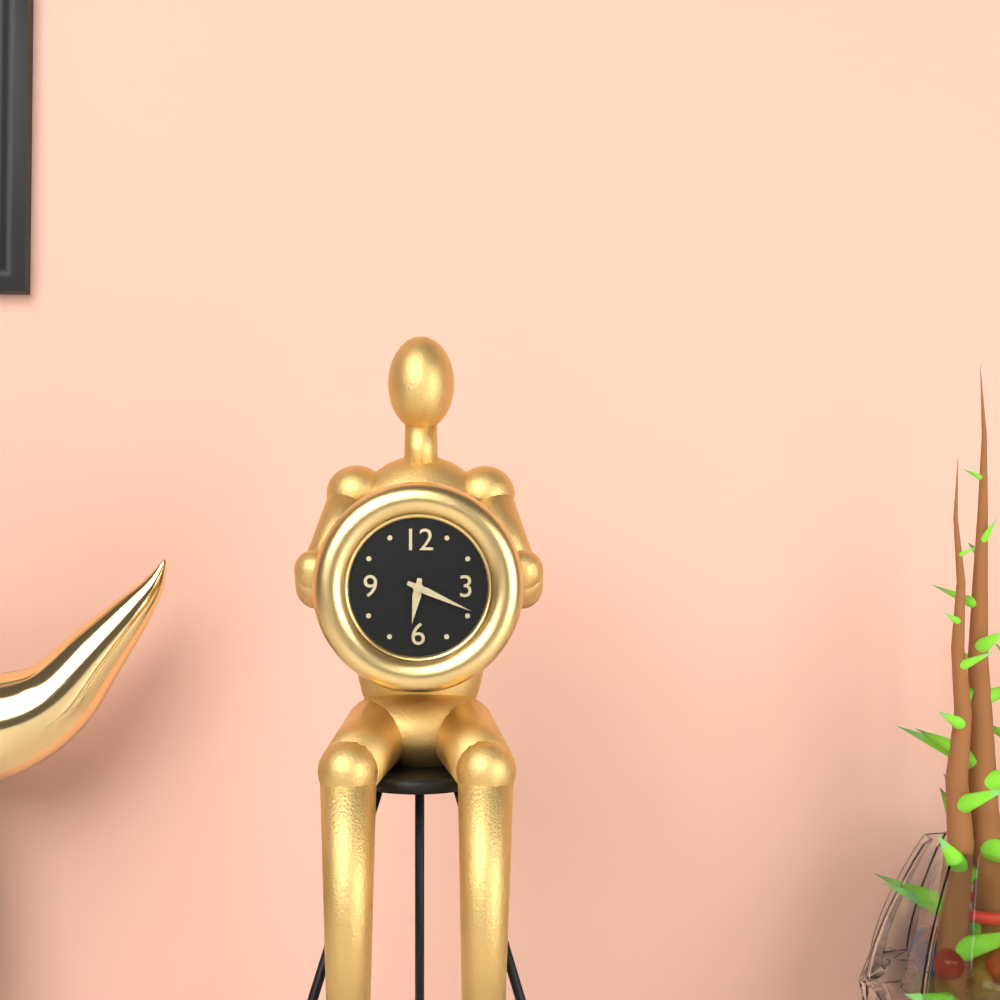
**6:19**
